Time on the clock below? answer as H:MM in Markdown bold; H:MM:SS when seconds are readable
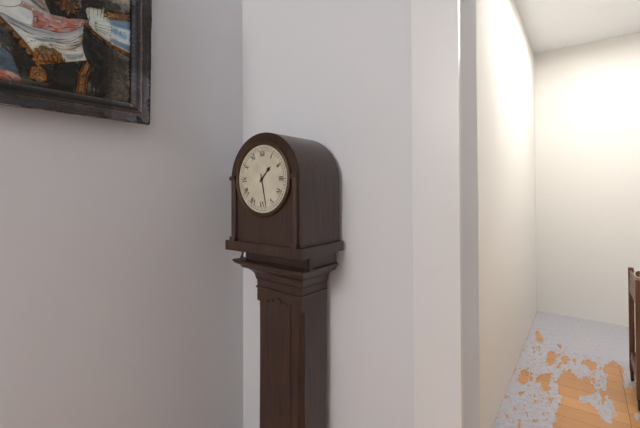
**1:28**
